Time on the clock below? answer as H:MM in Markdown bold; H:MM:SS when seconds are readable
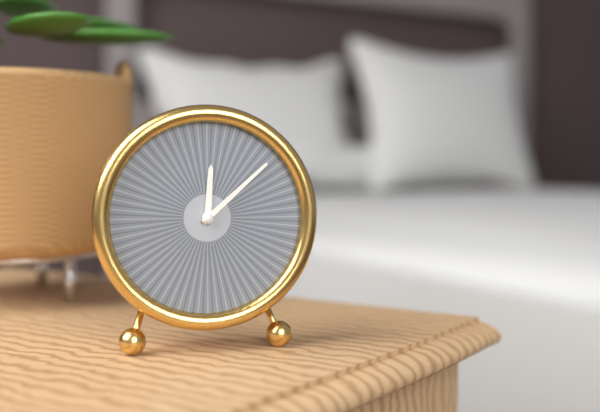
**12:08**
